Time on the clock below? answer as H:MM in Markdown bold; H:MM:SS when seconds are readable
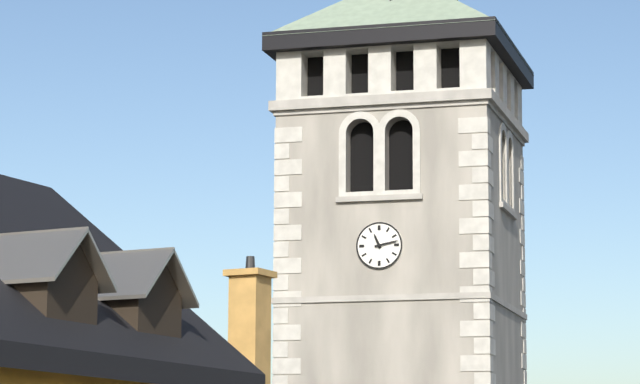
**11:13**
